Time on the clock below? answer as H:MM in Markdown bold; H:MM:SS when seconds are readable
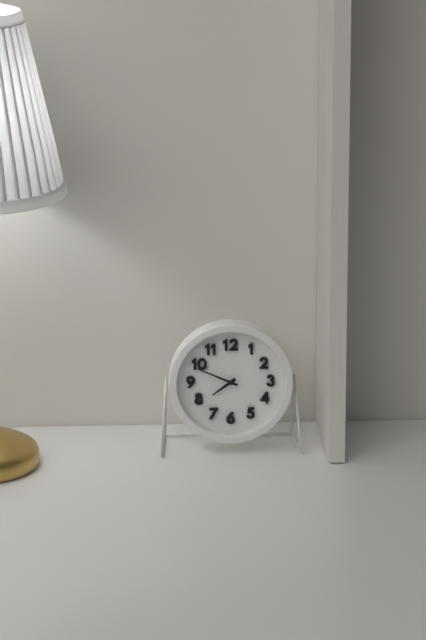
**7:49**
